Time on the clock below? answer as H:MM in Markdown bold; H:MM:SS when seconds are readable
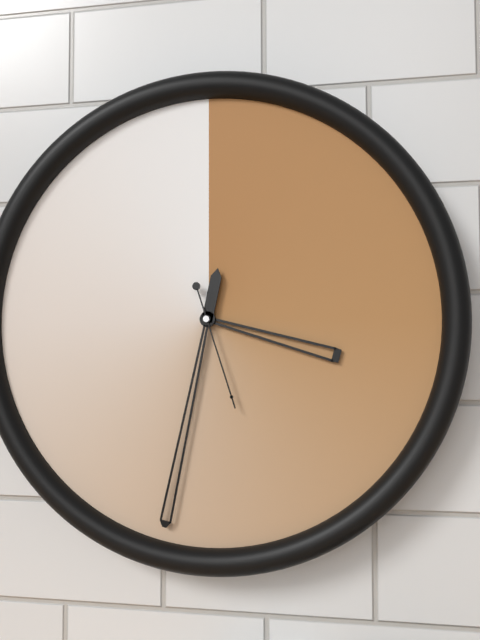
**3:32:27**
